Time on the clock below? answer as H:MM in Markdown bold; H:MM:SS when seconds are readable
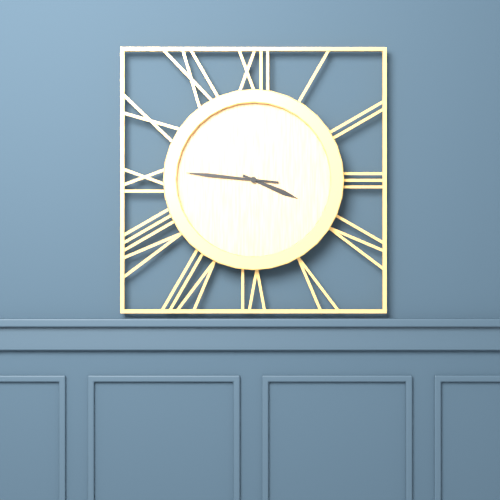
**3:46**
